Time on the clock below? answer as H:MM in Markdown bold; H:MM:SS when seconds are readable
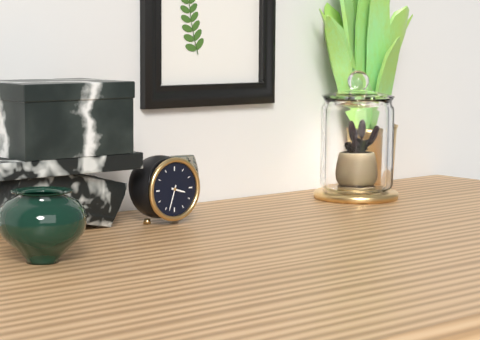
**3:33**
